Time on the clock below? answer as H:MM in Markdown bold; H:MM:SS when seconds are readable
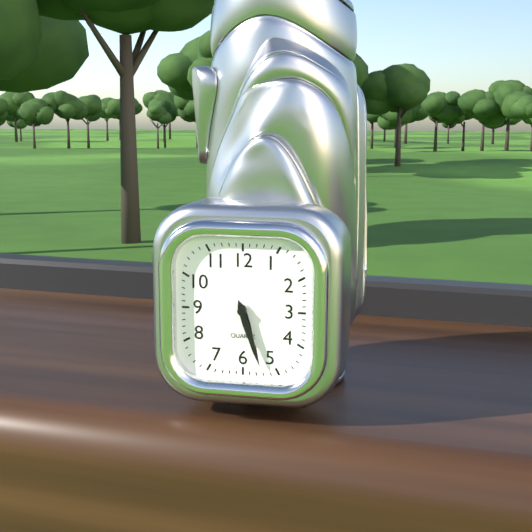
**5:27**
